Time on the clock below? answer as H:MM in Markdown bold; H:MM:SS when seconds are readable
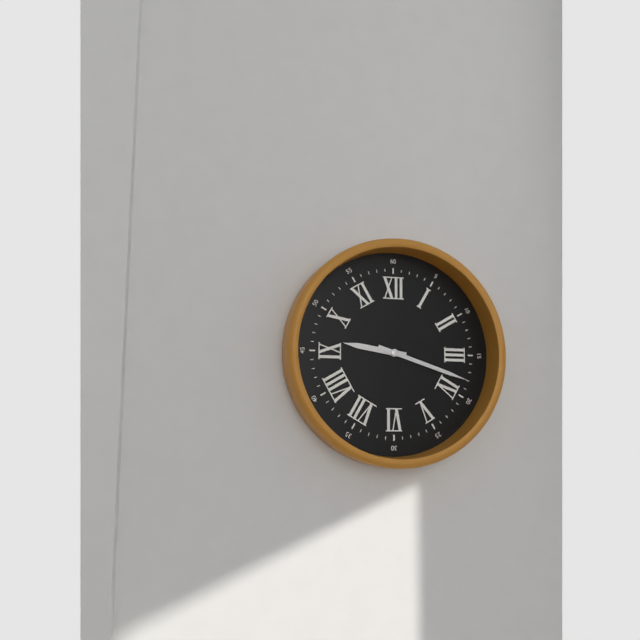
**9:18**
